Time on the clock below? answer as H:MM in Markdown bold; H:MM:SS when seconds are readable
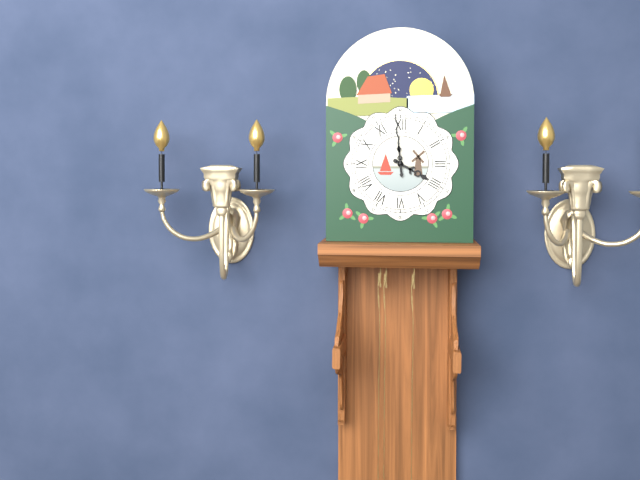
**3:59**
